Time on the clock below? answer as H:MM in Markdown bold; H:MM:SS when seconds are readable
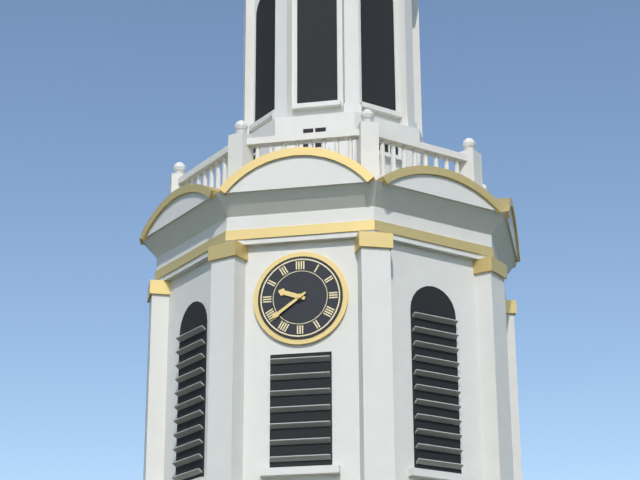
**9:39**
